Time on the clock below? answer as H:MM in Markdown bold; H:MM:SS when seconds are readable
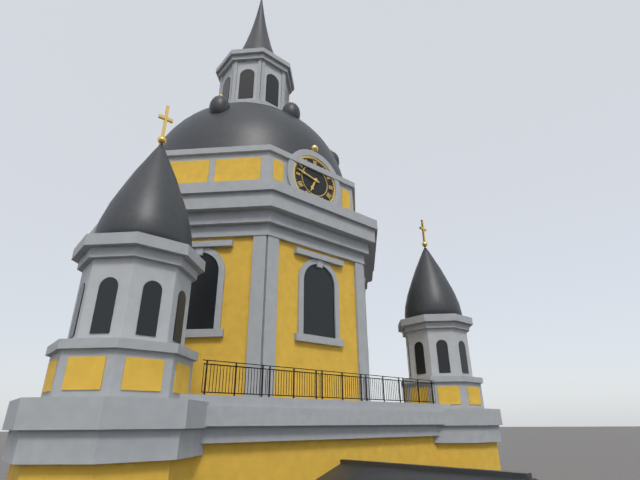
**6:47**
